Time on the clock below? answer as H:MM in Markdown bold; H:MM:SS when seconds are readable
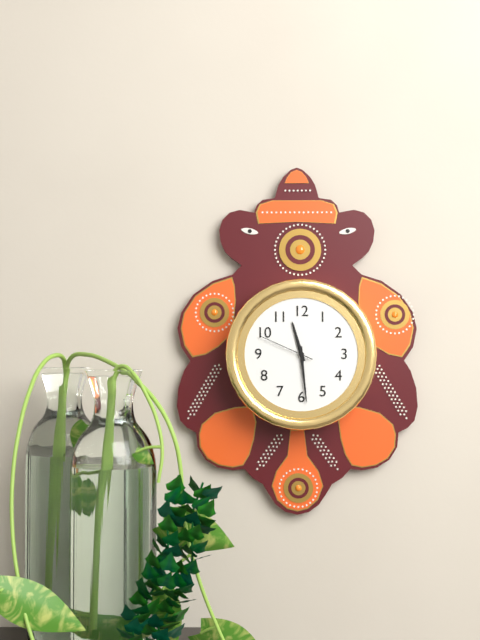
**11:29:49**
